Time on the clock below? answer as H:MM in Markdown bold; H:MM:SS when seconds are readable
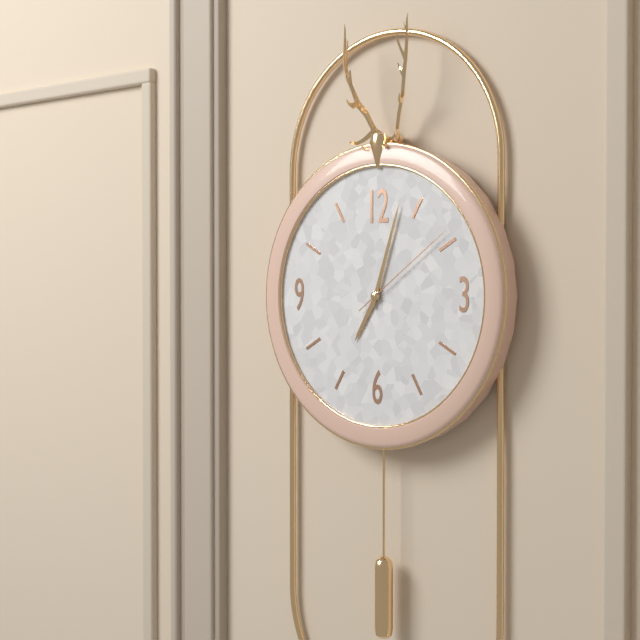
**7:03:09**
